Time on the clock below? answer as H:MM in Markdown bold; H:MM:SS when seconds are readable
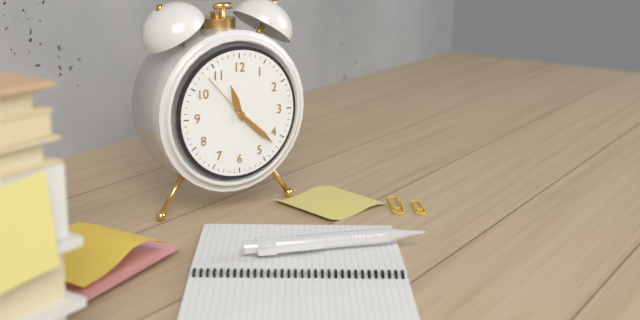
**11:22:53**
